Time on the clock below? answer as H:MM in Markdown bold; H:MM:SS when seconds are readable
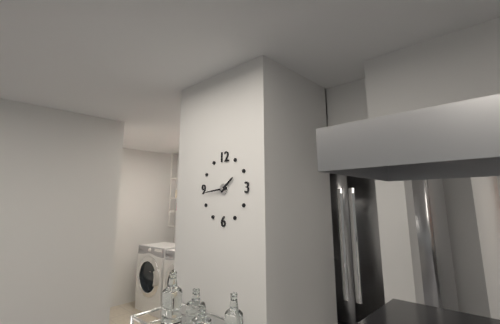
**1:44**
